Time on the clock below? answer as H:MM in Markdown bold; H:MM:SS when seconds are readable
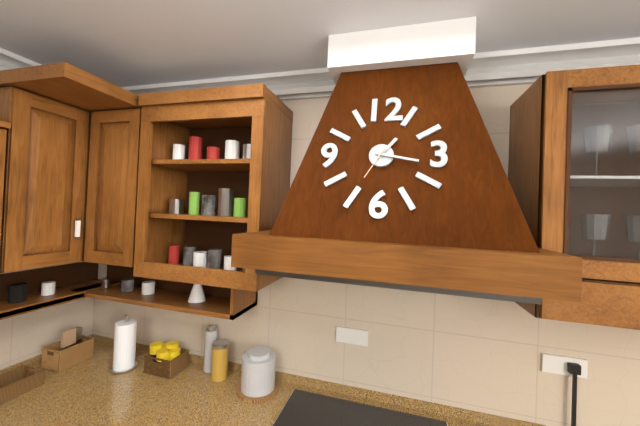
**1:17**
